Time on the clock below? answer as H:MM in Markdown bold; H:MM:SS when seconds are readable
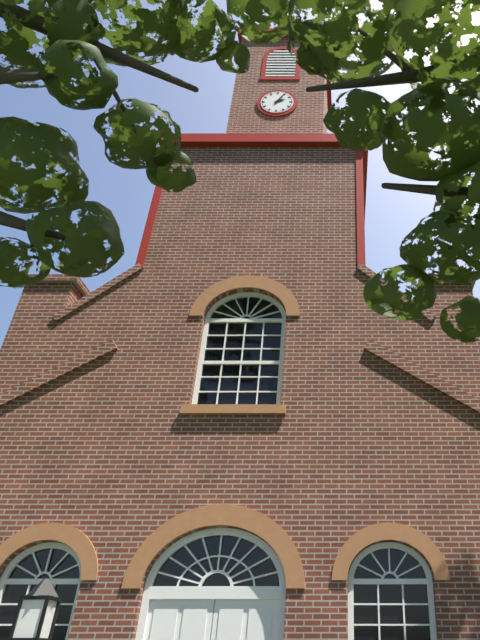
**2:05**
